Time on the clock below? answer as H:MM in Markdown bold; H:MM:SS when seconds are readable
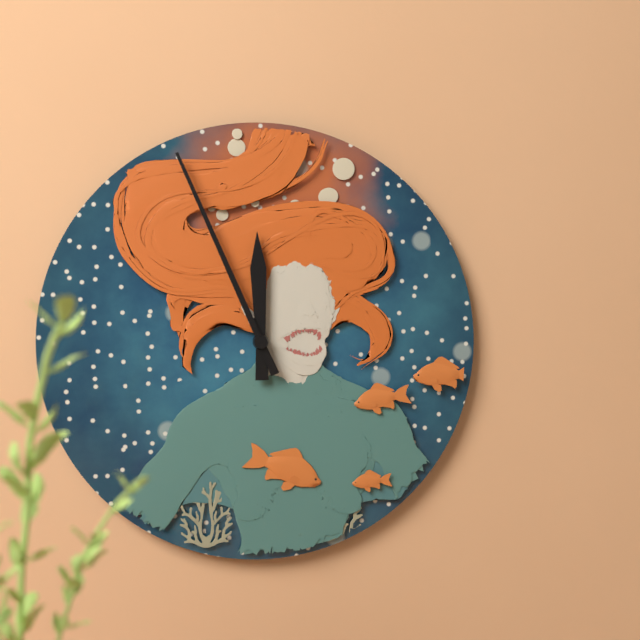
**11:56**
